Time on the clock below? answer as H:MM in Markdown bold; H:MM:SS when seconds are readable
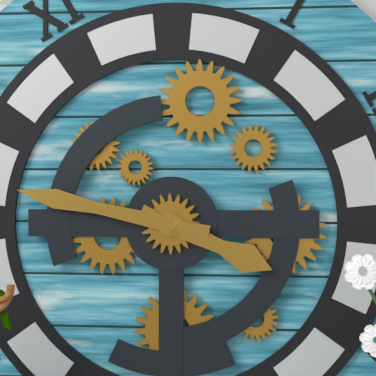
**3:47**
